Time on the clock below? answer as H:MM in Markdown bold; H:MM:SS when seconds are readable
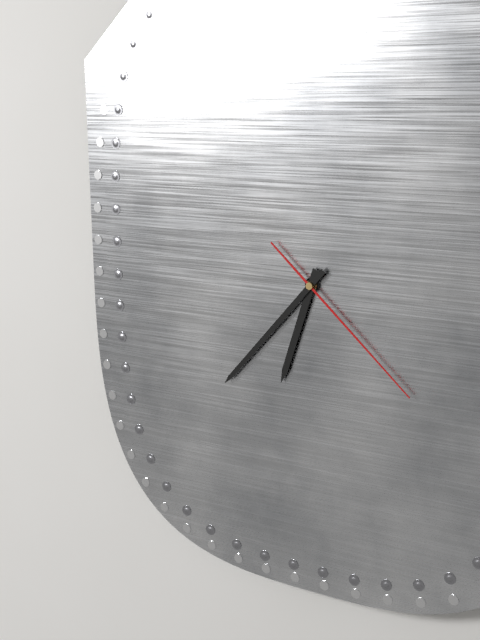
**6:37:22**
